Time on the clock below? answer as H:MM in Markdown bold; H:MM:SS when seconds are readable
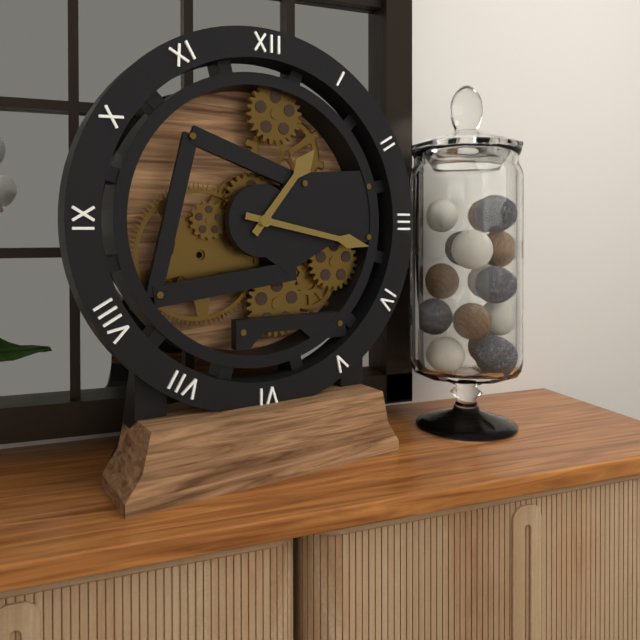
**1:17**
